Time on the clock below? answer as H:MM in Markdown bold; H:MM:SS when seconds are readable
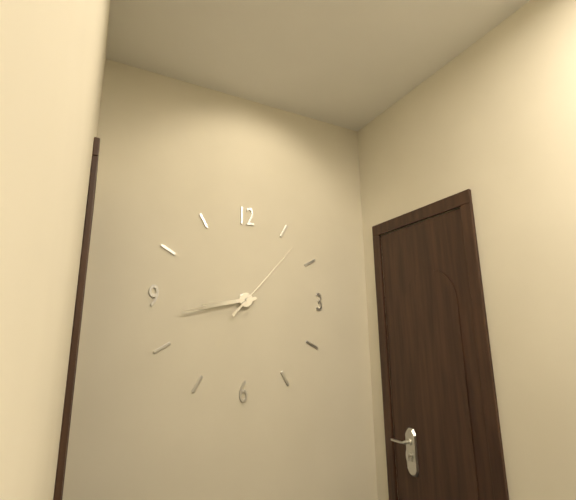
**8:43:07**
